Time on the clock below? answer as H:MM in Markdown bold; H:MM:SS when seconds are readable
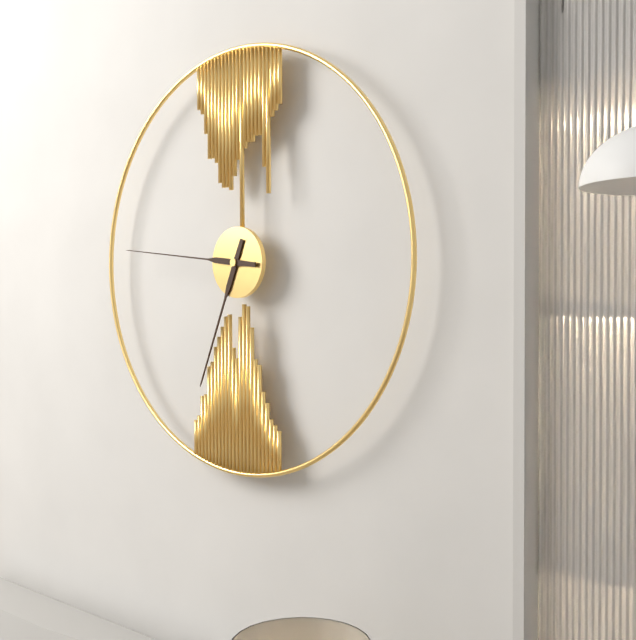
**6:46**
